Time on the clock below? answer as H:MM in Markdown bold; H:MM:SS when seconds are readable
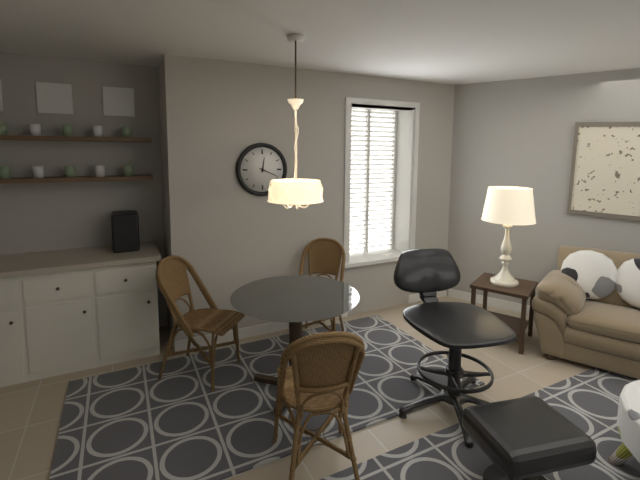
**12:19**
